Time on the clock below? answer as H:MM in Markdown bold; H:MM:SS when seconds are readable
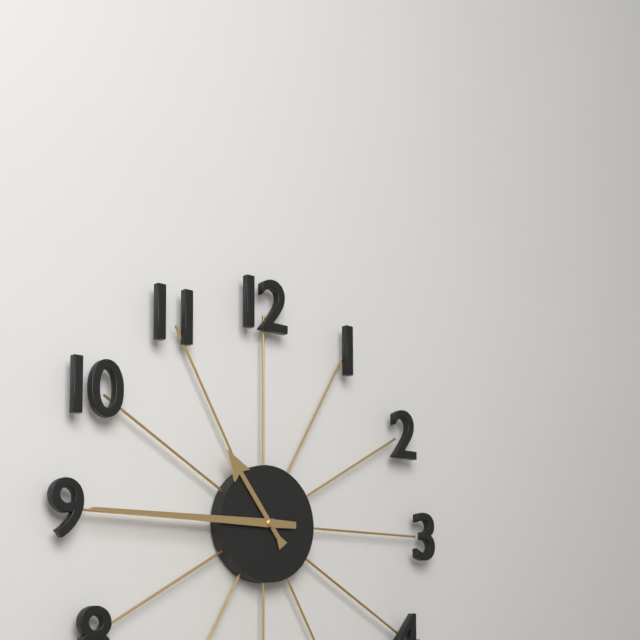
**10:45**
